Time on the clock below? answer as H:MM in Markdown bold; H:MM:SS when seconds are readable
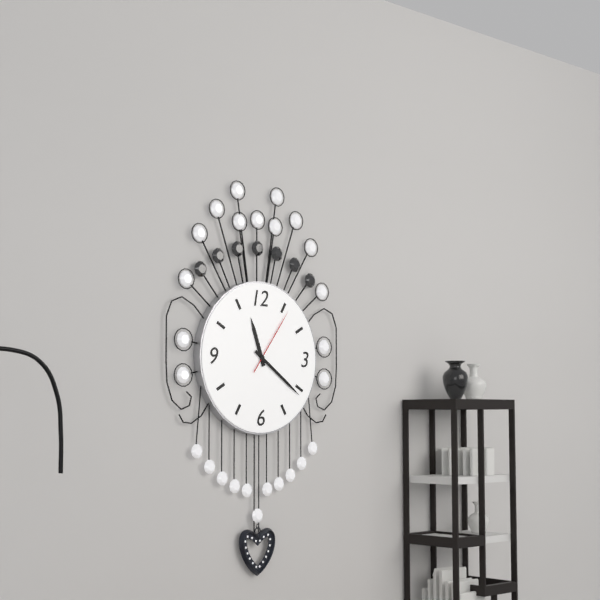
**11:21:06**
